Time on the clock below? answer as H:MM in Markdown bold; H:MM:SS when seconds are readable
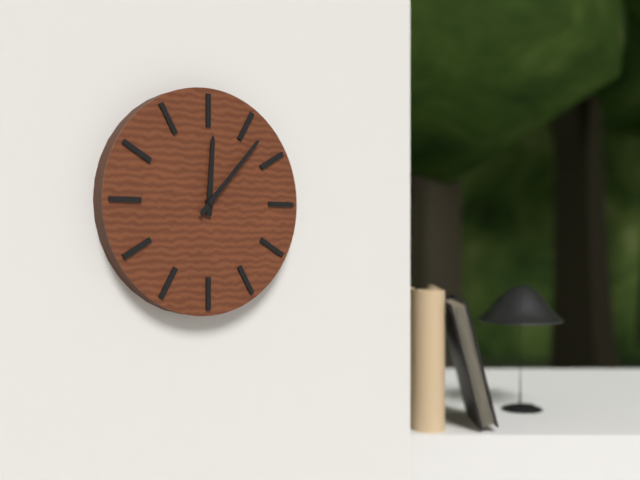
**12:07**
